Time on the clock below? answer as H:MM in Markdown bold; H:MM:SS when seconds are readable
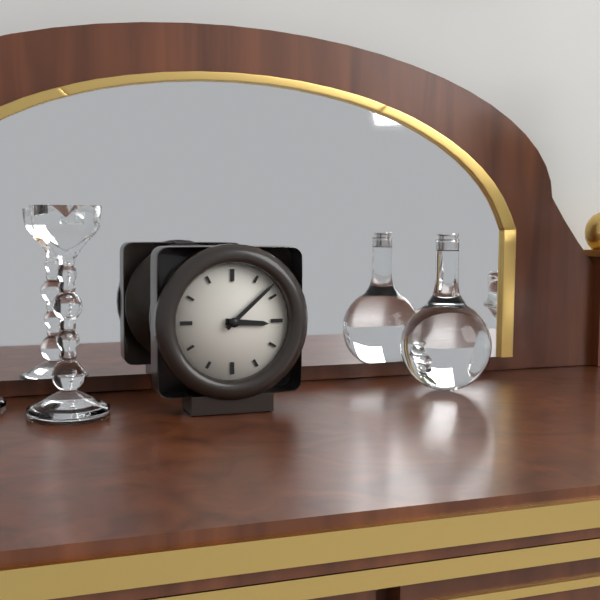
**3:08**
